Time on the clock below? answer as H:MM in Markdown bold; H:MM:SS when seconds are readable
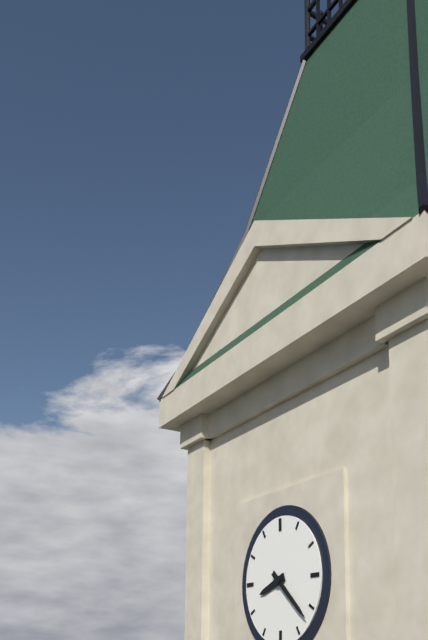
**8:22**
